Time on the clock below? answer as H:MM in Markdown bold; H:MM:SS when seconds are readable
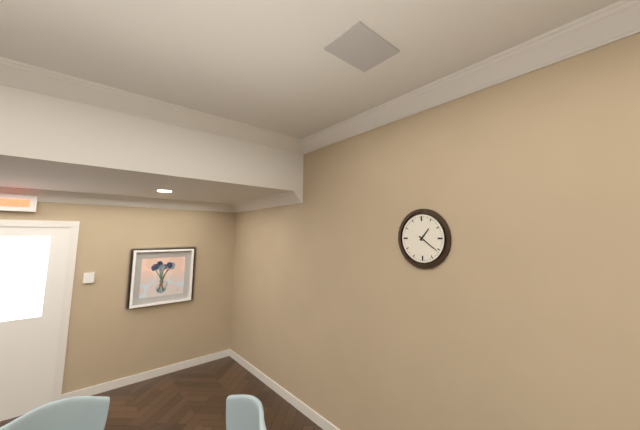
**1:21**
